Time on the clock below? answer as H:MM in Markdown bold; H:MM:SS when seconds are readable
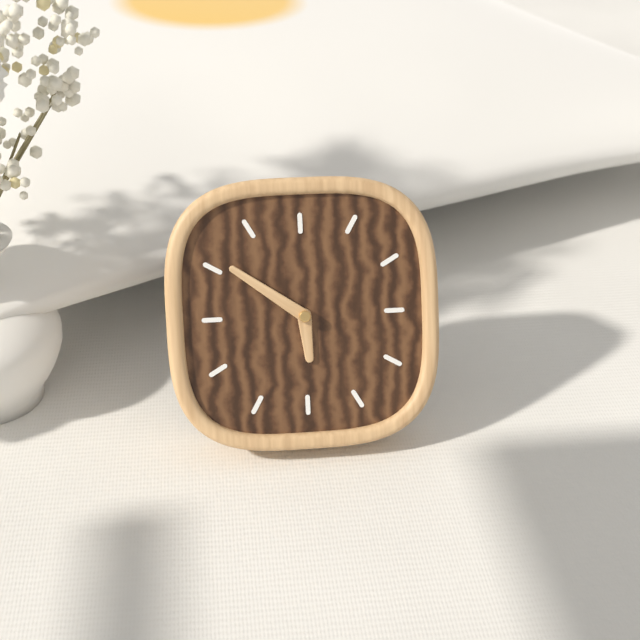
**5:51**
